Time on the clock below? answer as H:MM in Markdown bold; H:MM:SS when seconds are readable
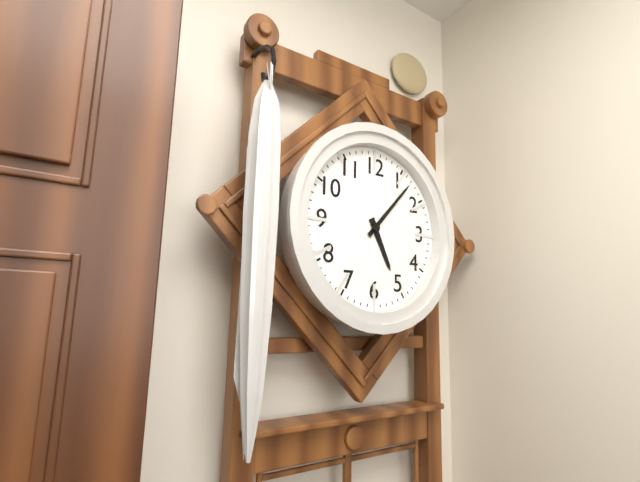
**5:07**
